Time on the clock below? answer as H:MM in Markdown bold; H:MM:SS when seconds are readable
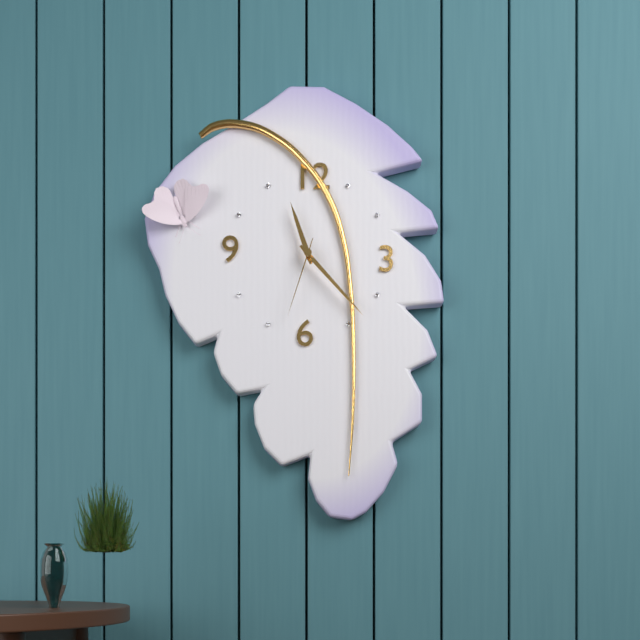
**11:23:33**
